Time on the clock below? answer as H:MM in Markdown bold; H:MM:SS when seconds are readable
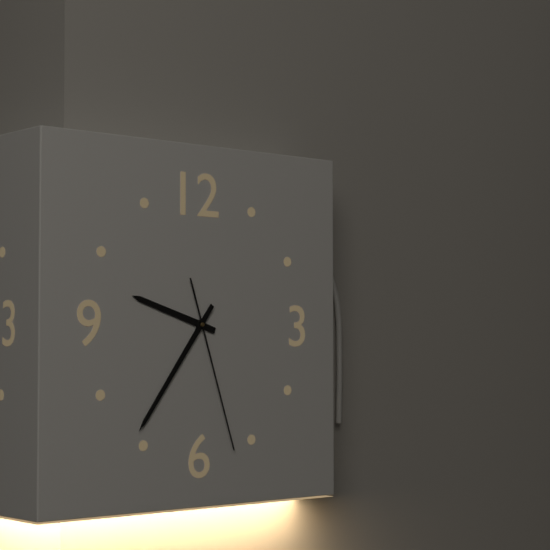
**9:36:27**
